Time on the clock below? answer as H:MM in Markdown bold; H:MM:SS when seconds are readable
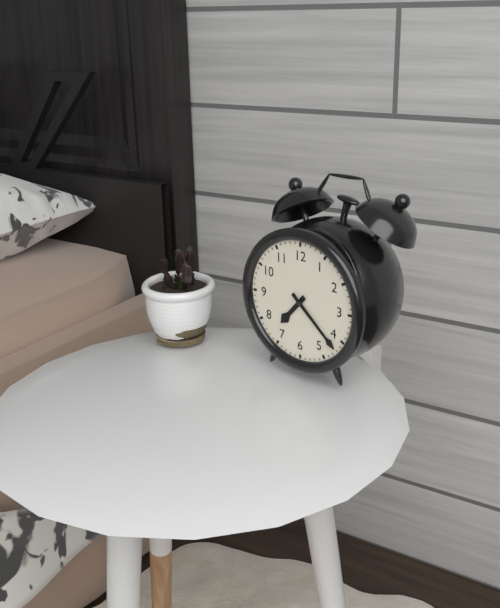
**7:22**
